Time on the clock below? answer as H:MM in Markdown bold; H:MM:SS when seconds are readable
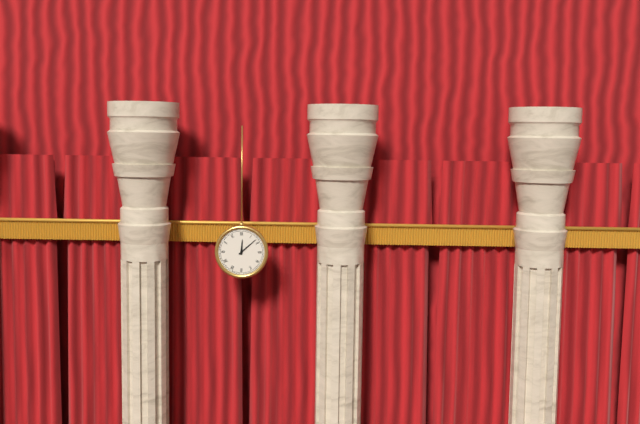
**12:08**
